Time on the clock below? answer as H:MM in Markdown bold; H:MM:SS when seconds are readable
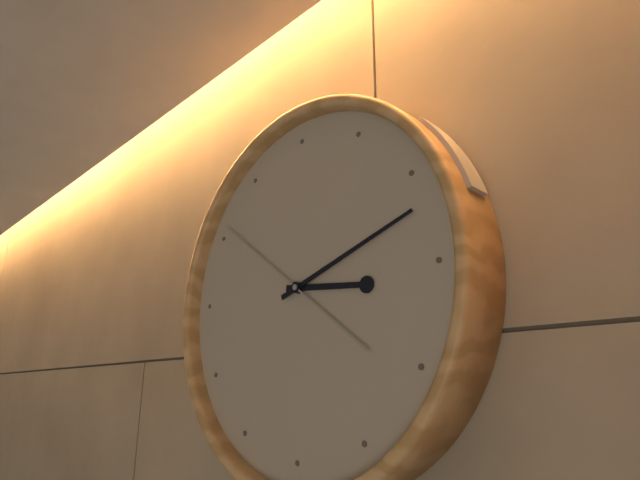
**3:12:51**
